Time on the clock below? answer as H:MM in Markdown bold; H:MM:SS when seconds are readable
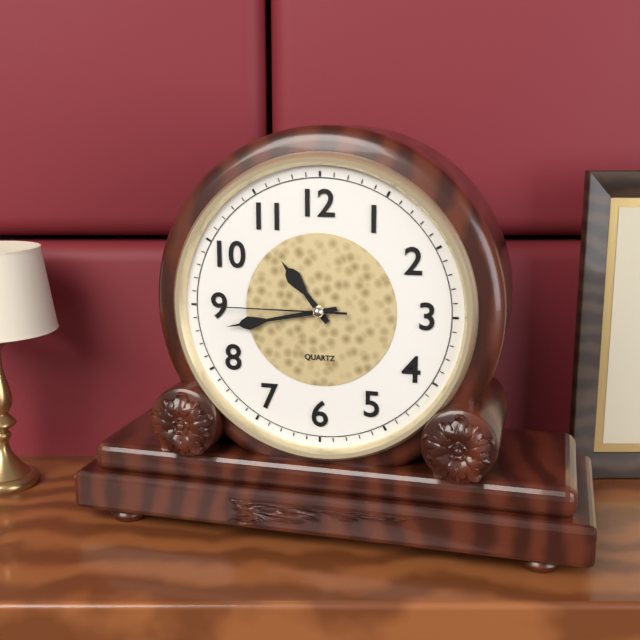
**10:43:45**
